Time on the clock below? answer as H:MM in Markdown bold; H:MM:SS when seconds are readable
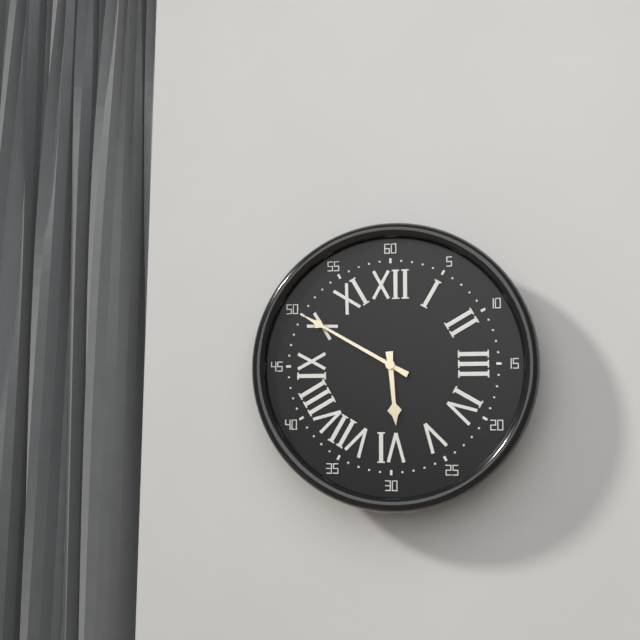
**5:50**
